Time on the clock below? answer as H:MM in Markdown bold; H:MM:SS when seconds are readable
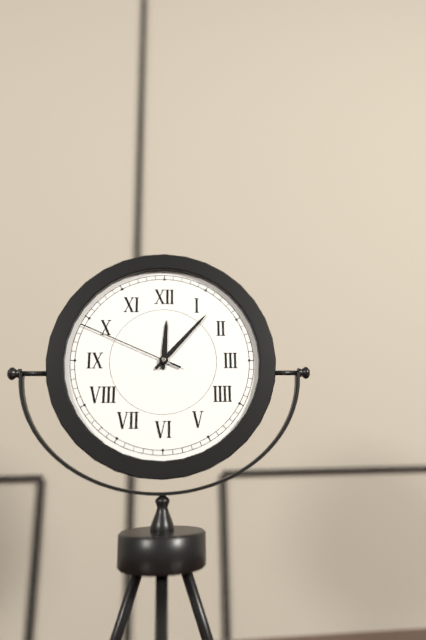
**12:07:49**
